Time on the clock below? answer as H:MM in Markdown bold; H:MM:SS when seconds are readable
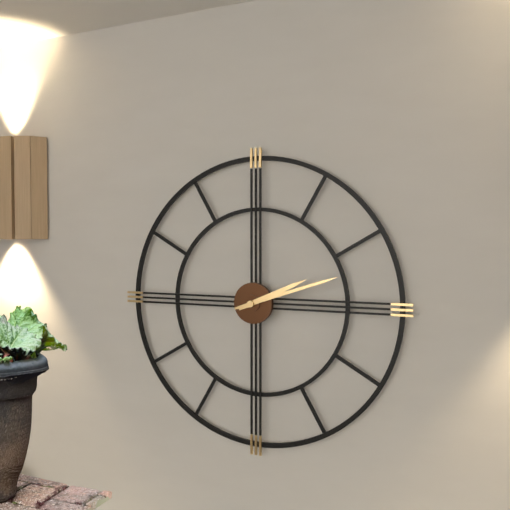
**2:12**
